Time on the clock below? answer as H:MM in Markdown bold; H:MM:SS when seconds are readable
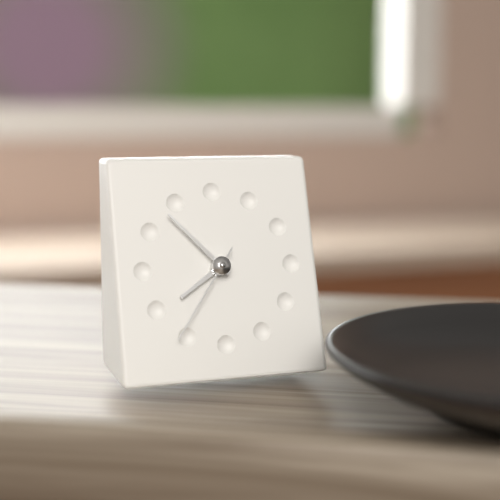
**7:53:36**
